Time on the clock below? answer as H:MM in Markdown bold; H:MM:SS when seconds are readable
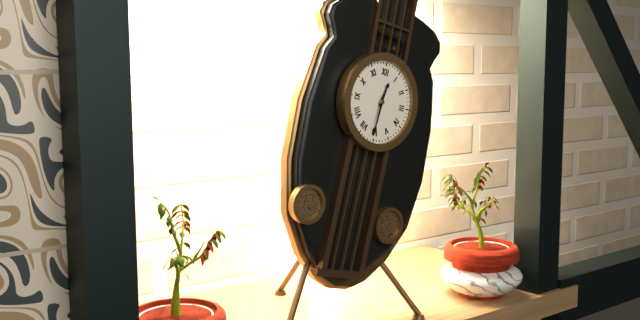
**12:31**
